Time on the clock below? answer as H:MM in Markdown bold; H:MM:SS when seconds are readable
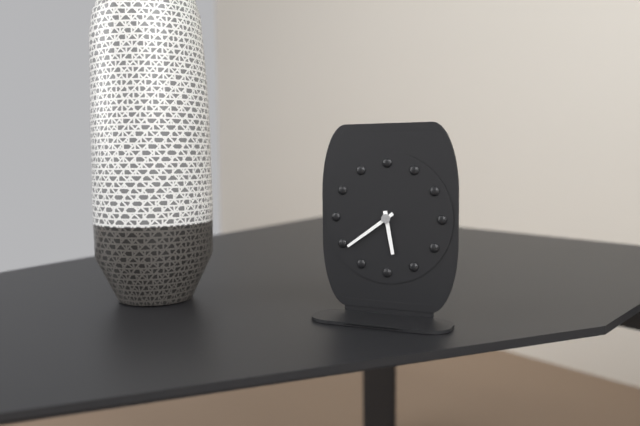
**5:39**
